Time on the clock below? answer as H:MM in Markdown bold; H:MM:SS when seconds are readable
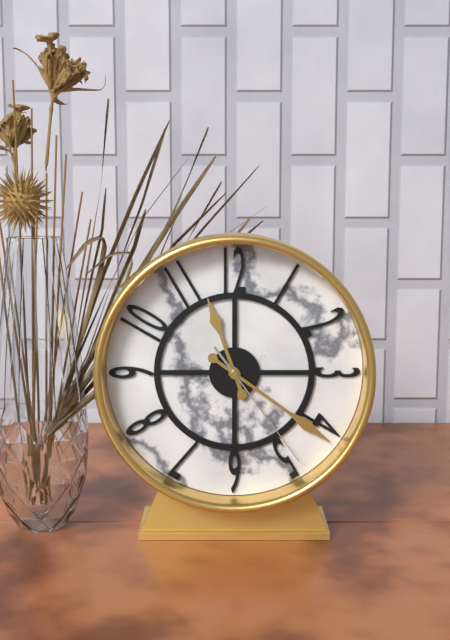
**11:21:24**
